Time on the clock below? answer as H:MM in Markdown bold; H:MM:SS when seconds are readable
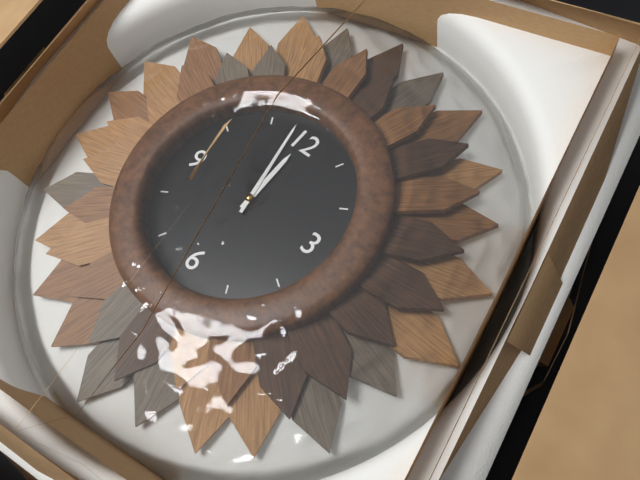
**11:58**
